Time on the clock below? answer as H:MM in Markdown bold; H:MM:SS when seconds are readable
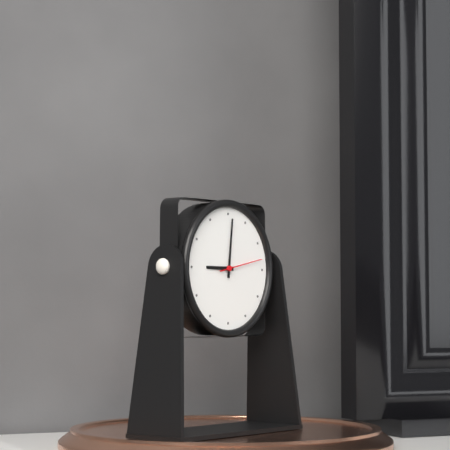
**9:01**
